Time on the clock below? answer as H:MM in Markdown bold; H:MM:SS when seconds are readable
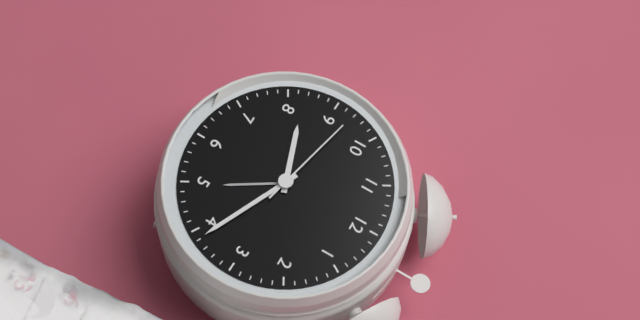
**8:19:47**
